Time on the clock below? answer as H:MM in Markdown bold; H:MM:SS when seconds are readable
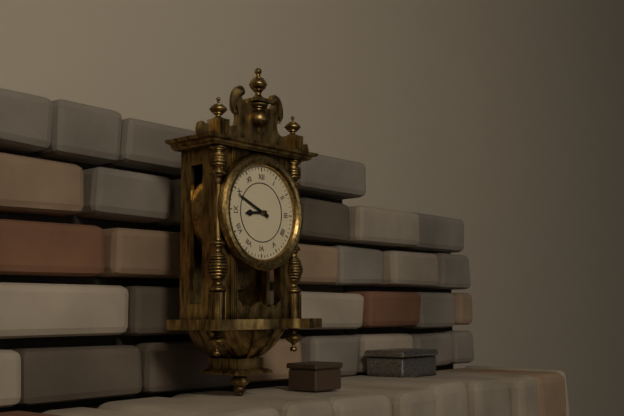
**8:49**
